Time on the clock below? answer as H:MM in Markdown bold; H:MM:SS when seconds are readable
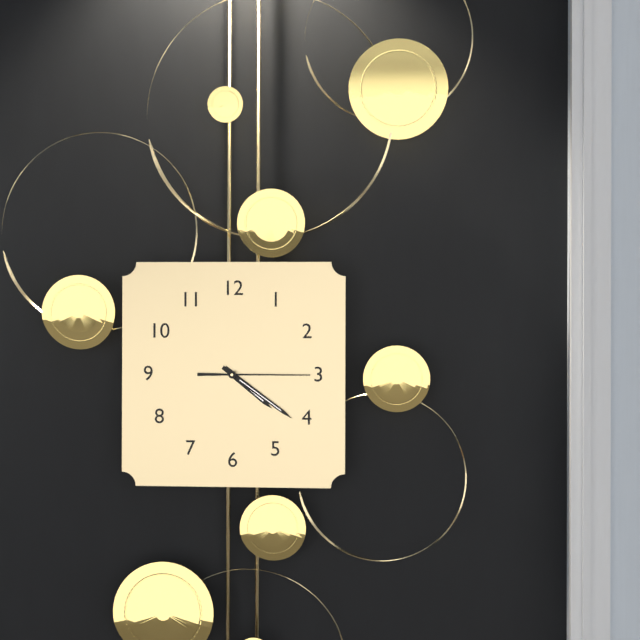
**4:21:15**
